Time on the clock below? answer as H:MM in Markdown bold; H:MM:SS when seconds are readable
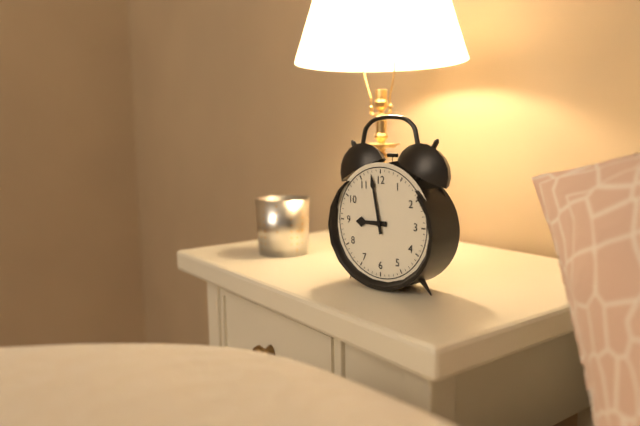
**8:58**
